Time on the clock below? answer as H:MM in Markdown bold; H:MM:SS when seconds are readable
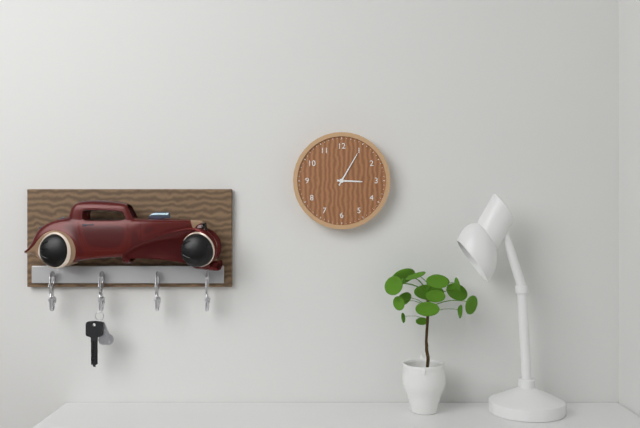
**3:05**
